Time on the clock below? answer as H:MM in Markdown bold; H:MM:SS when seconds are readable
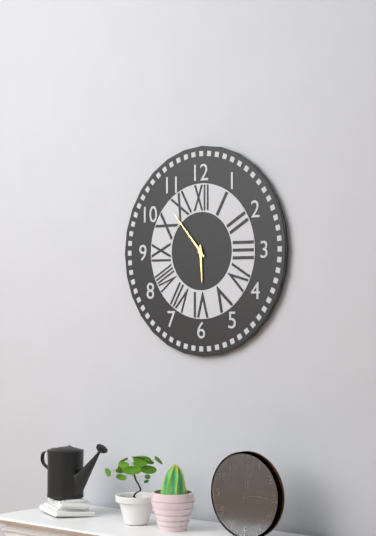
**5:53**
